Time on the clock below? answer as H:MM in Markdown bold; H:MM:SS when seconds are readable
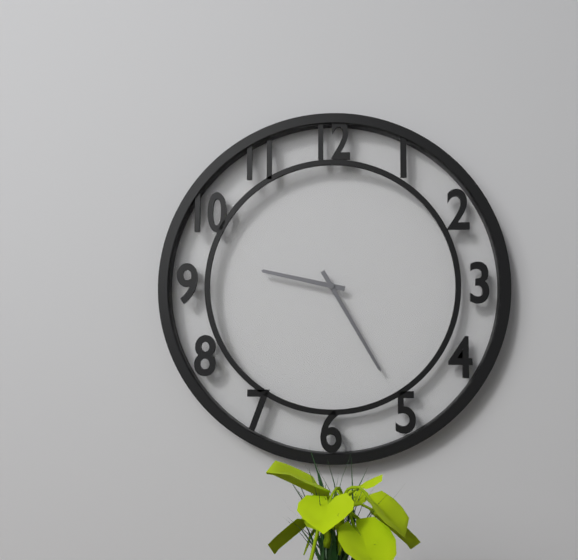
**9:25**
